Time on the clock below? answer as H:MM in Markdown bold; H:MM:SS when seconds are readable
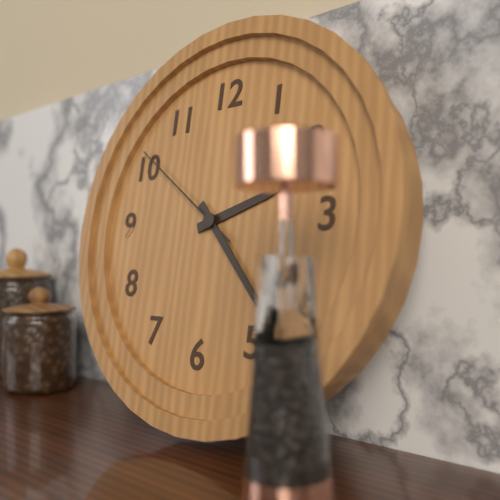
**2:23:51**
